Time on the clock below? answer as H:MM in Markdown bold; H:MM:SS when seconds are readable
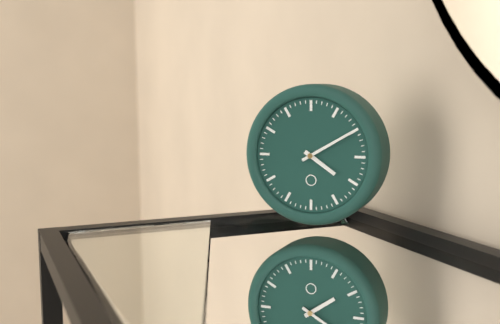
**4:10**
